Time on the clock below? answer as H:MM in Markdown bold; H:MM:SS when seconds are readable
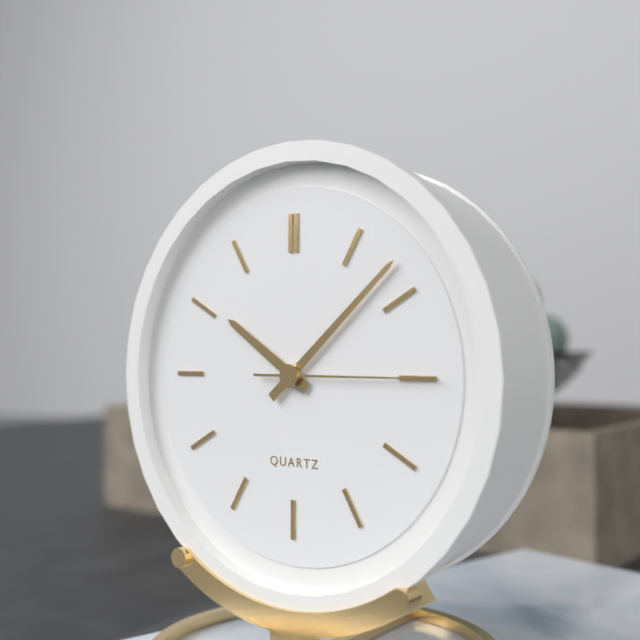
**10:08:15**
